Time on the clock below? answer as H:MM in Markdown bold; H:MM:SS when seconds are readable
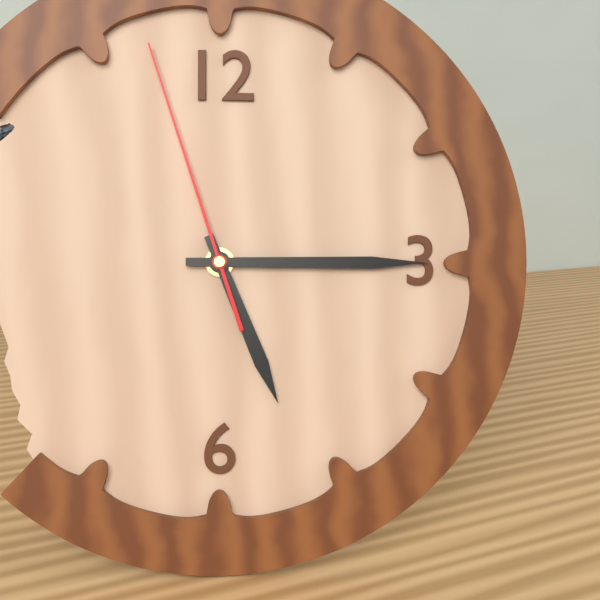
**5:15:57**
